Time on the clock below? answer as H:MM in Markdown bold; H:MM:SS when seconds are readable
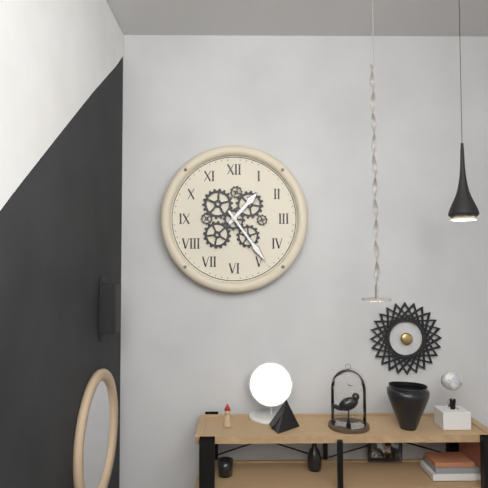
**1:24**
